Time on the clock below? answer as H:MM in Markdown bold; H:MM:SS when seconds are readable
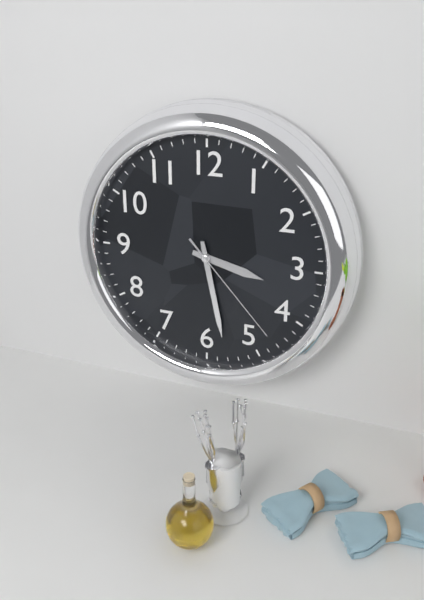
**3:28:23**
